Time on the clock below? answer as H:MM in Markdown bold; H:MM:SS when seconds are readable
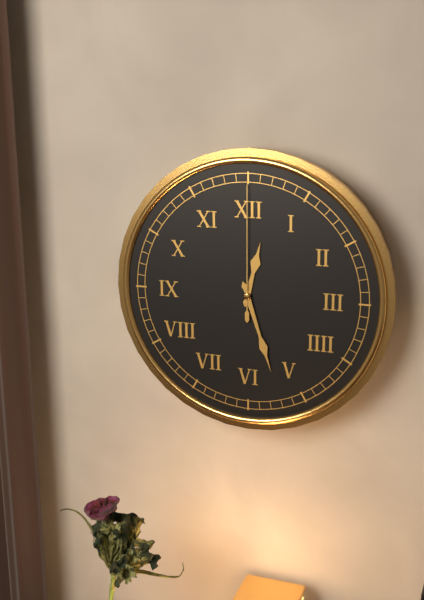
**12:27:00**
